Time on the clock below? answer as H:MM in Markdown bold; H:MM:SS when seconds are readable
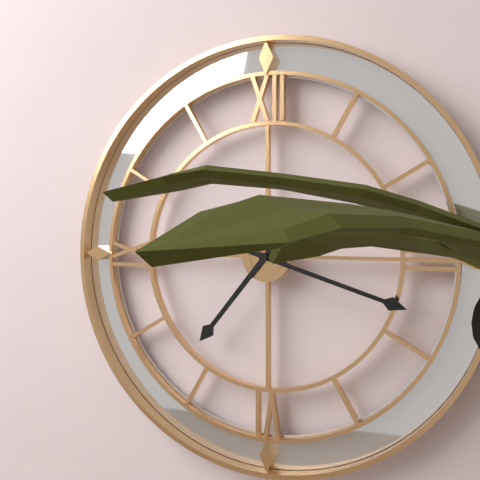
**7:18**
